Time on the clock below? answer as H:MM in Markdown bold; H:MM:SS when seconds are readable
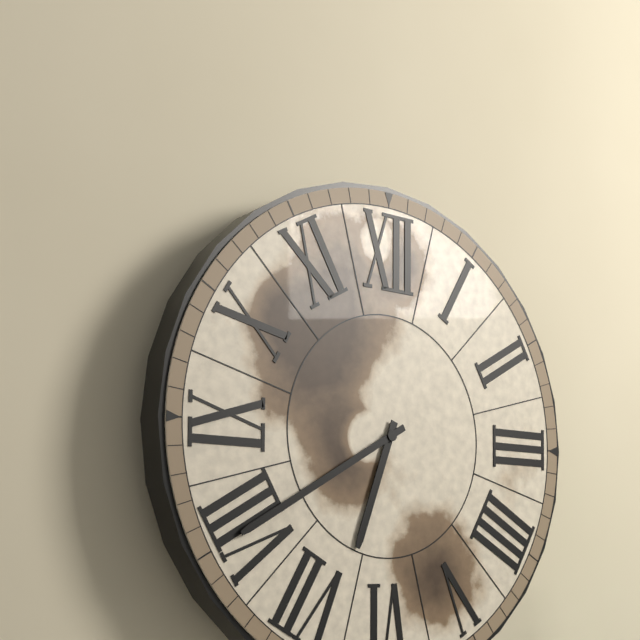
**6:40**
